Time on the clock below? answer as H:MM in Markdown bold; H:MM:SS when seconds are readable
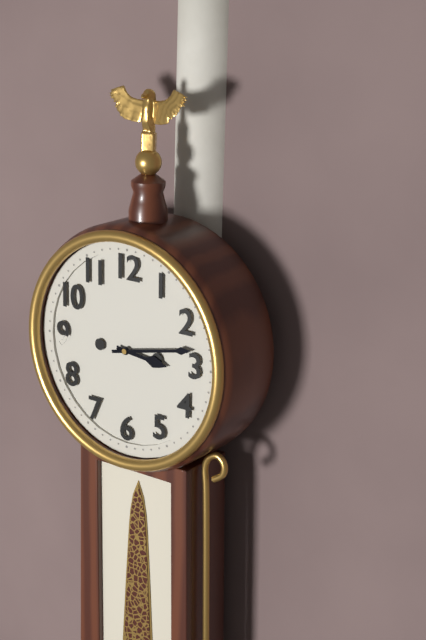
**3:13**
